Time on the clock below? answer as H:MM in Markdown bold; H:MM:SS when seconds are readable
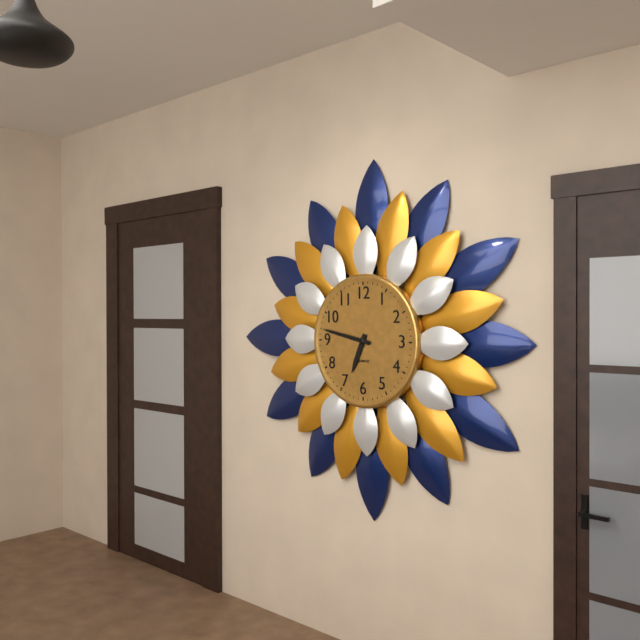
**6:47**
